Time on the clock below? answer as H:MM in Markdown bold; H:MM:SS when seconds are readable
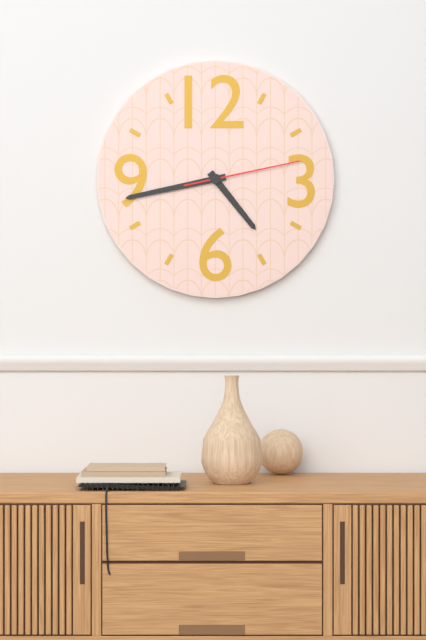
**4:43:13**
